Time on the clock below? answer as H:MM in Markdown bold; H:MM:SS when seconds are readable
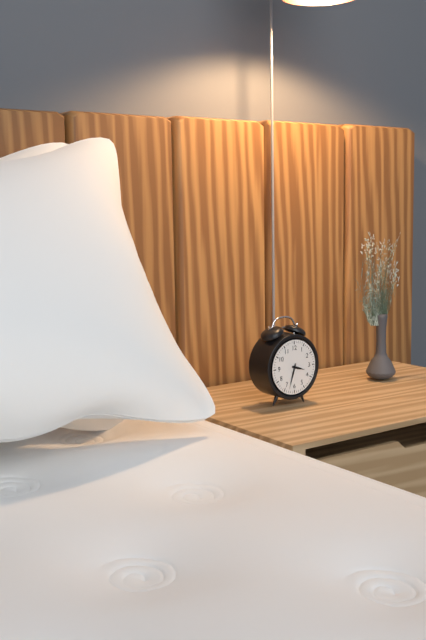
**3:33**
